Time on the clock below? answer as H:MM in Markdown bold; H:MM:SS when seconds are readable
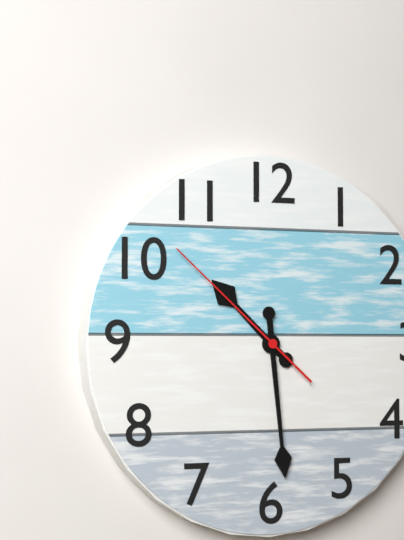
**10:29:52**
